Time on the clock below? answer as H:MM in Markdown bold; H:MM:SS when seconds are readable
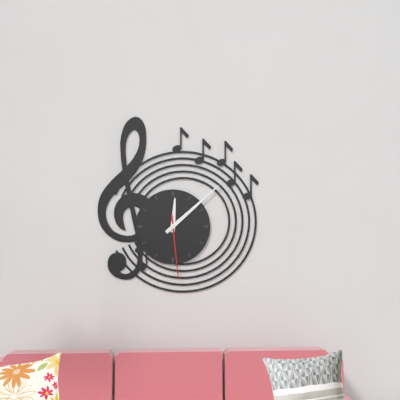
**12:08:29**
